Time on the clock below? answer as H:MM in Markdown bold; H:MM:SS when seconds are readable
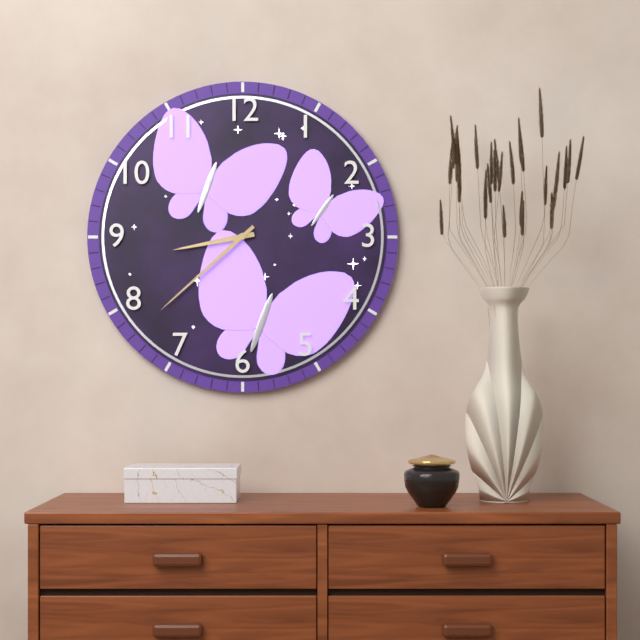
**8:38**
